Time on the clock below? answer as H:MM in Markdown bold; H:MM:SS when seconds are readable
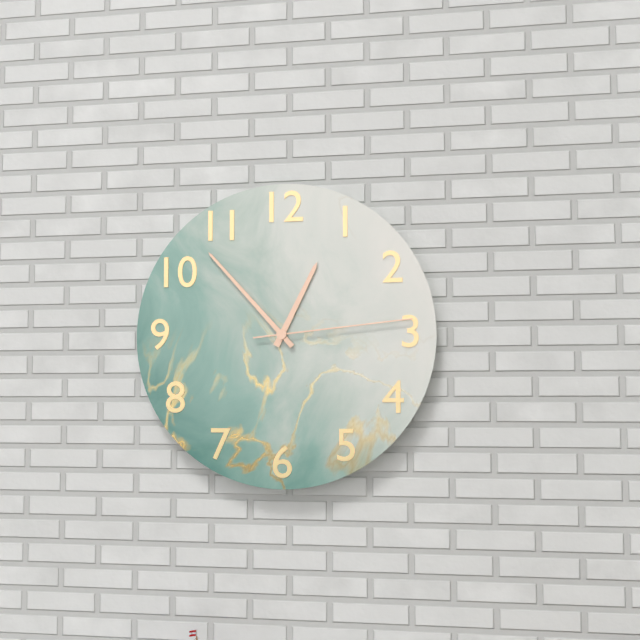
**12:53:14**
